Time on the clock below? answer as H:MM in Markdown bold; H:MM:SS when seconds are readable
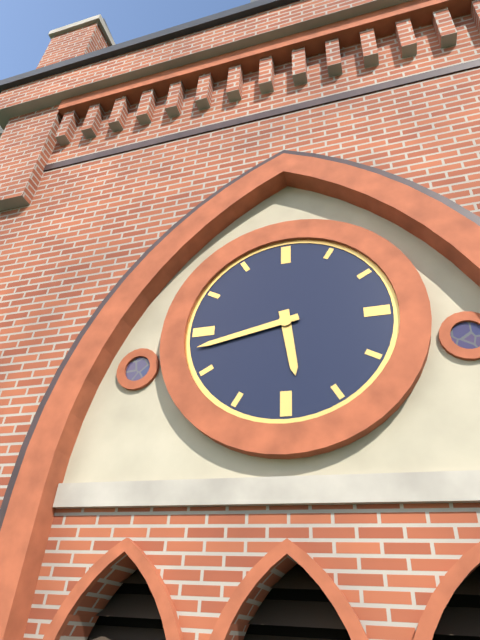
**5:43**
